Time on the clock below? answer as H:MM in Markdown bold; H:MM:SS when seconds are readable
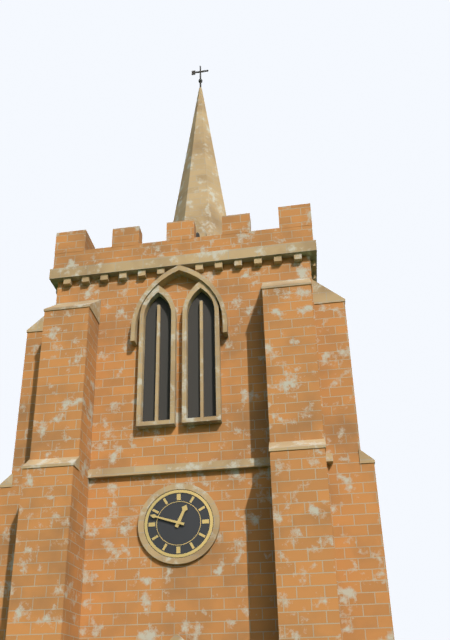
**12:48**
